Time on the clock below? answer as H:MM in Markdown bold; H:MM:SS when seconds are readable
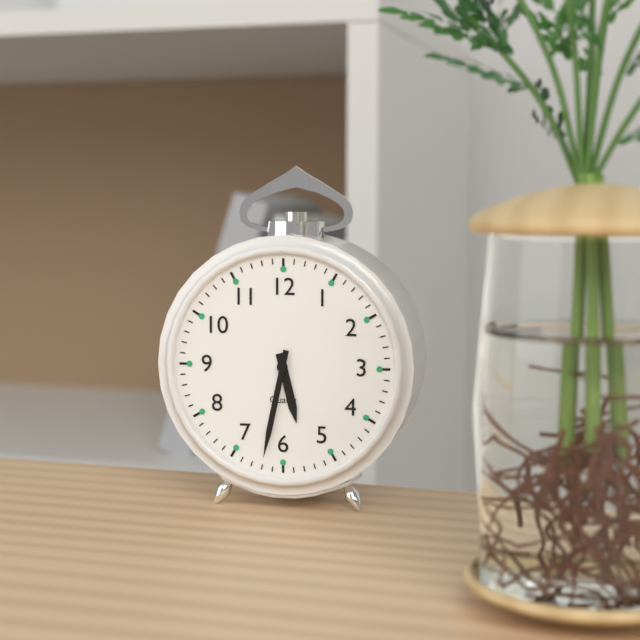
**5:32**
